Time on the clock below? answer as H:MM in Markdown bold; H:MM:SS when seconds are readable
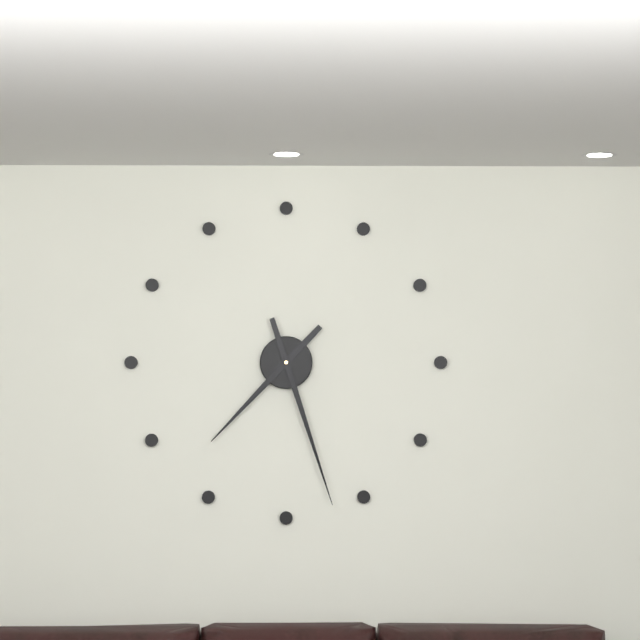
**7:27**
